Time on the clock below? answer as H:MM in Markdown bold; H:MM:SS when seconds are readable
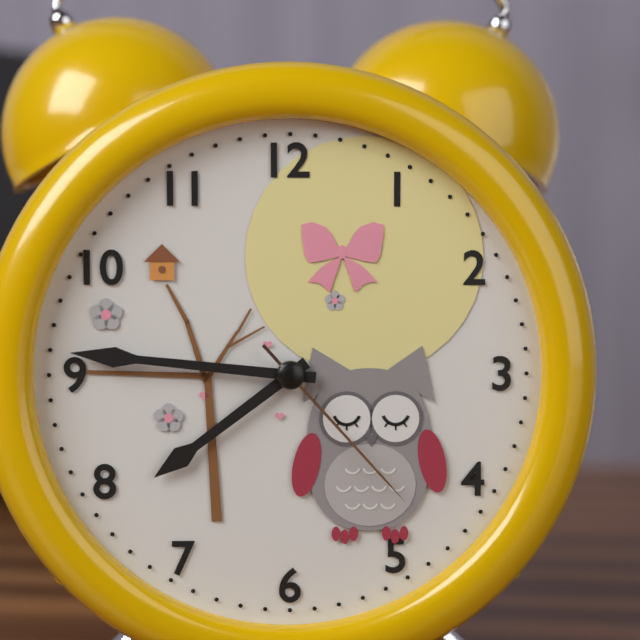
**7:46:23**
